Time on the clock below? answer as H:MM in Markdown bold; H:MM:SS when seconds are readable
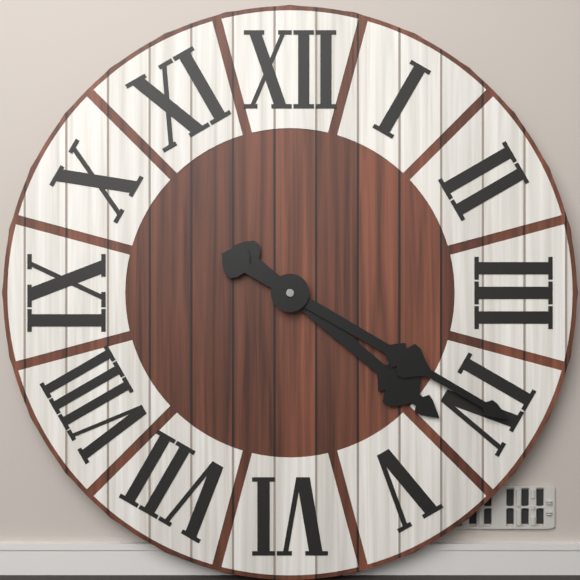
**4:20**
